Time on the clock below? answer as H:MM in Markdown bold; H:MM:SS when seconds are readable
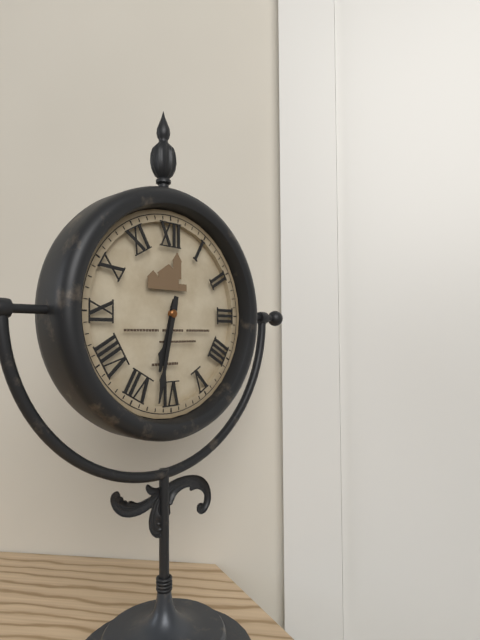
**6:32**
